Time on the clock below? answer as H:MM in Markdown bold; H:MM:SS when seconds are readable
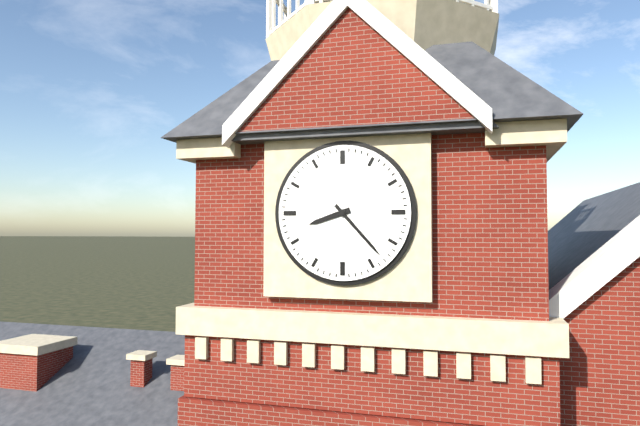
**8:23**
